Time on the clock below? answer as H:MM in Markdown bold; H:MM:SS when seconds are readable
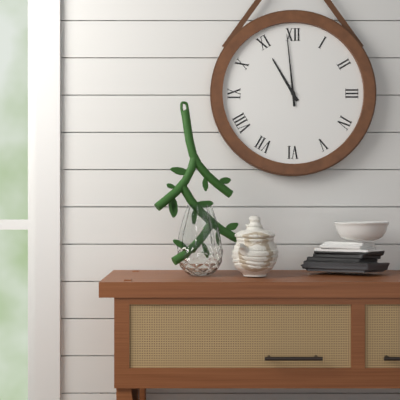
**10:59**
